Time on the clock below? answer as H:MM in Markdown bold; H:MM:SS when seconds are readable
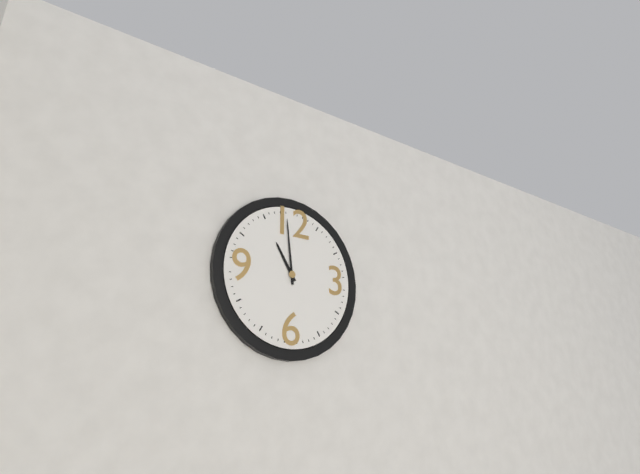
**10:59**
